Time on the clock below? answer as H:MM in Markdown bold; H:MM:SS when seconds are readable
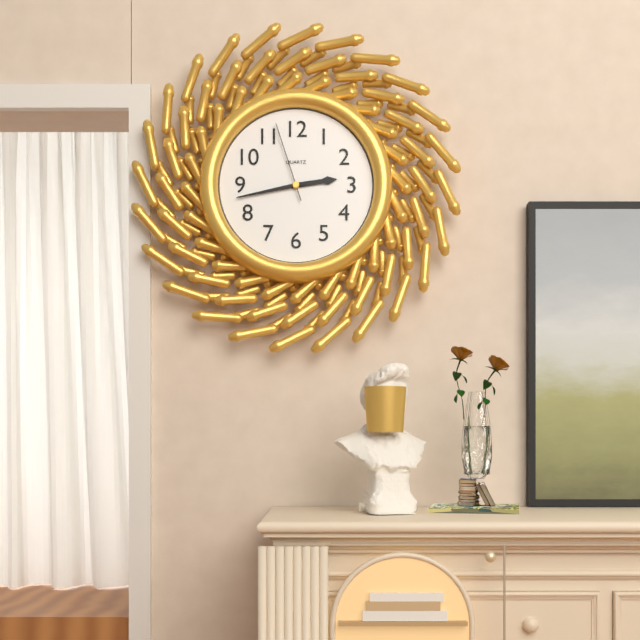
**2:43:57**
